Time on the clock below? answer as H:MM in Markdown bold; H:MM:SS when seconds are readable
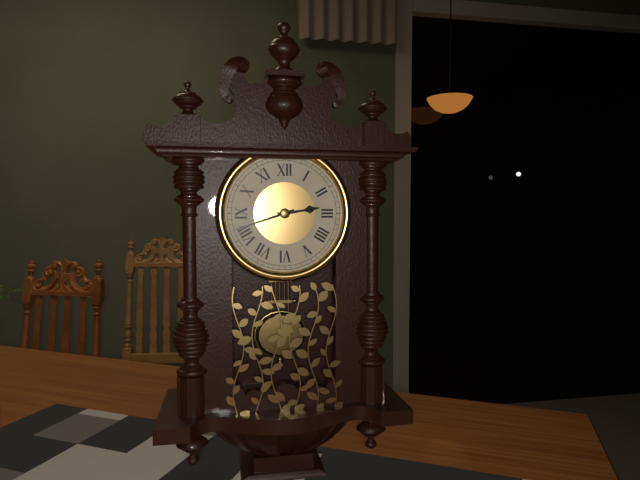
**2:42**
